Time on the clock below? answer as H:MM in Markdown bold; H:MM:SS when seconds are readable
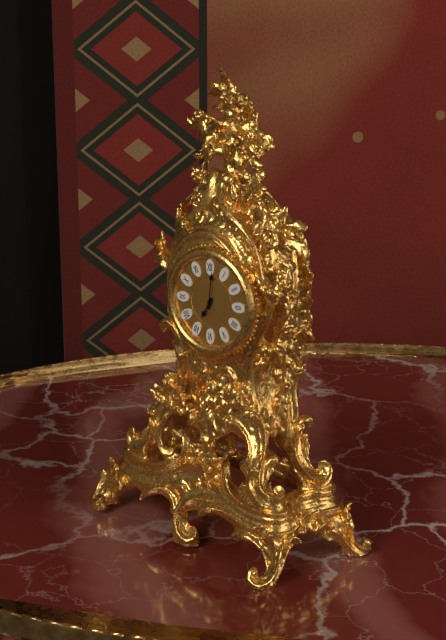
**7:01**
